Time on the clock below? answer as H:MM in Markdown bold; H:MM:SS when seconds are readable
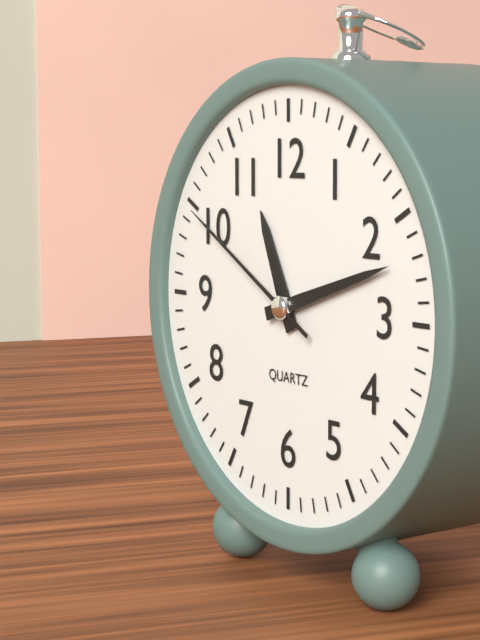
**11:12:50**
